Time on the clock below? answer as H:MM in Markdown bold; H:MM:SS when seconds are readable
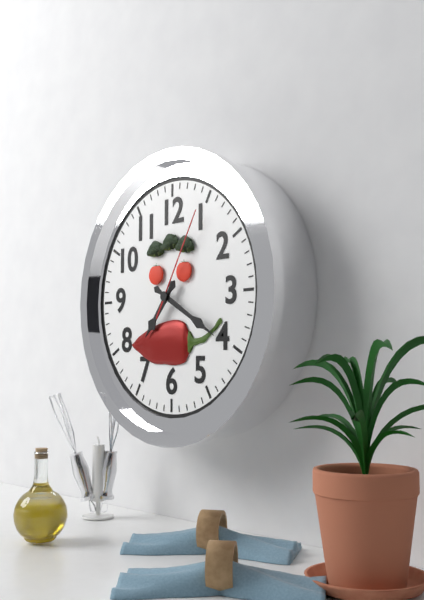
**7:20:05**
